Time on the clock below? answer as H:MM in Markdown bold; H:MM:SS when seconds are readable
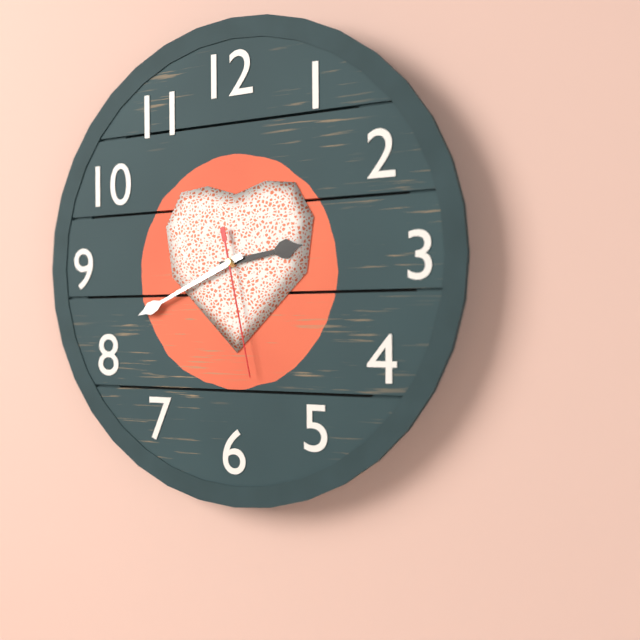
**2:41:28**
